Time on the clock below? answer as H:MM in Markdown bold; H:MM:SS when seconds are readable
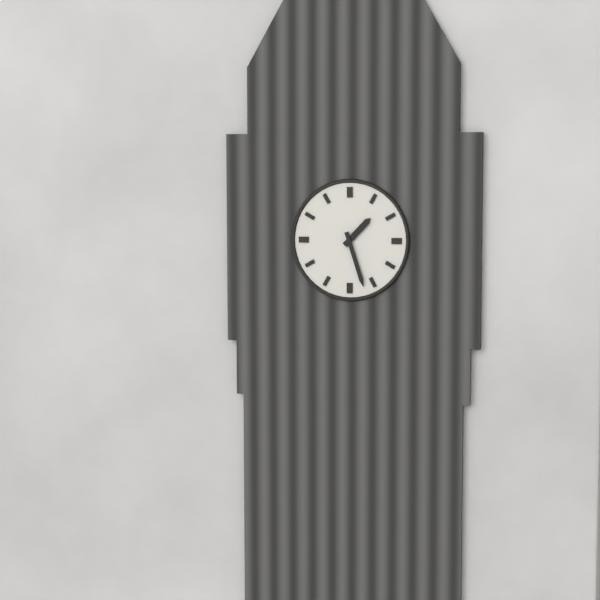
**1:27**
